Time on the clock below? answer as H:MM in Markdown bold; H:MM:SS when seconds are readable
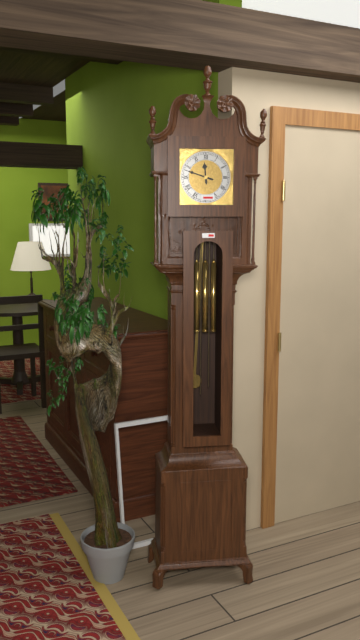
**11:48**
